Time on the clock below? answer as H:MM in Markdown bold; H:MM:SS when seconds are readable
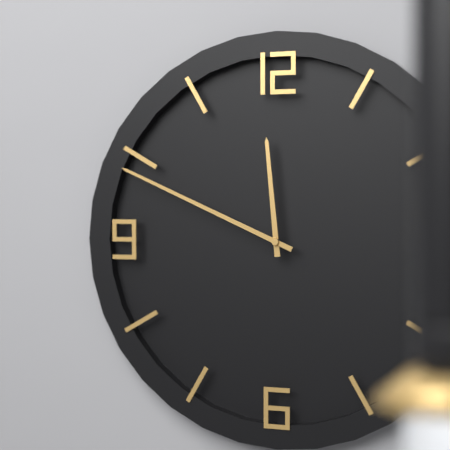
**11:49**
